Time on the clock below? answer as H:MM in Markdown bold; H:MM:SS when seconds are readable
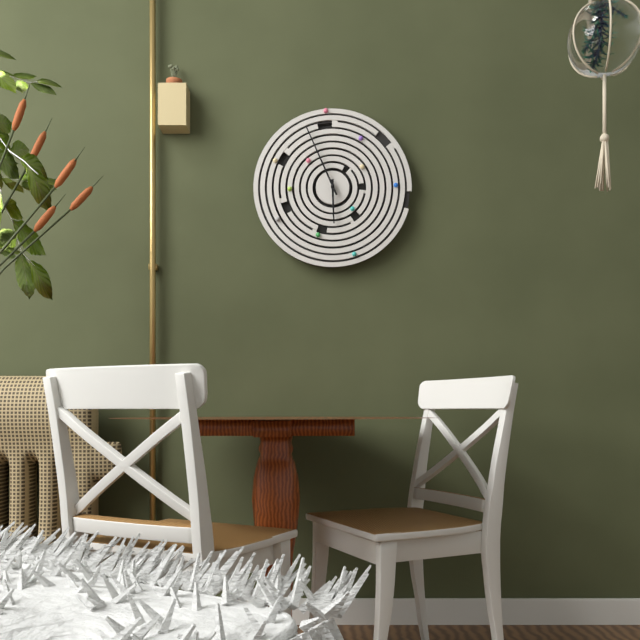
**5:56**
